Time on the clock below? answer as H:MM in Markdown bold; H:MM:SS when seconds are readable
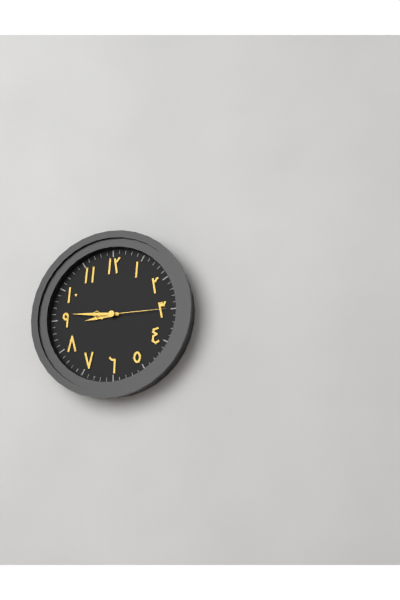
**8:46:15**
